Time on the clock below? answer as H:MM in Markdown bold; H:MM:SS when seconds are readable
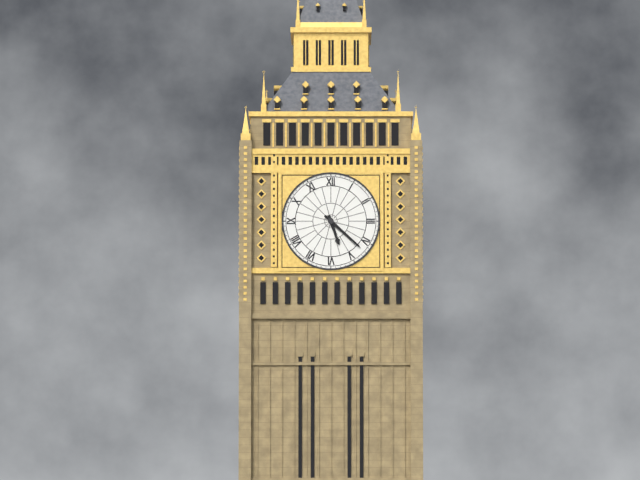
**5:22**
